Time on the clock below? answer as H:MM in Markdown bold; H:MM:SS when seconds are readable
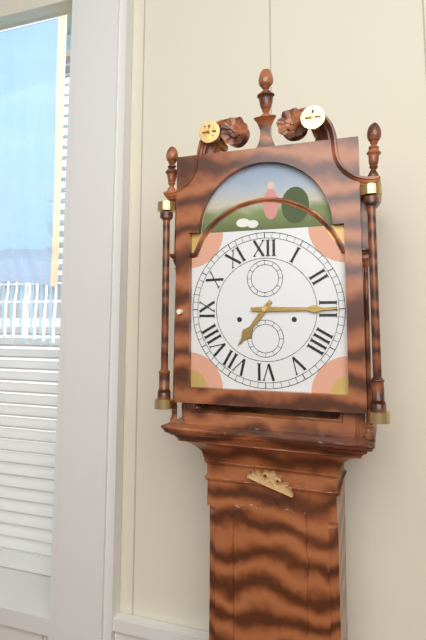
**7:15**
